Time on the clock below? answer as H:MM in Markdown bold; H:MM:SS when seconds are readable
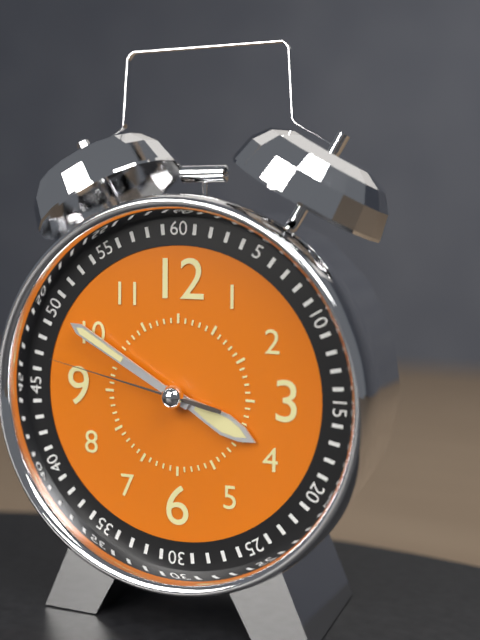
**3:50:47**
